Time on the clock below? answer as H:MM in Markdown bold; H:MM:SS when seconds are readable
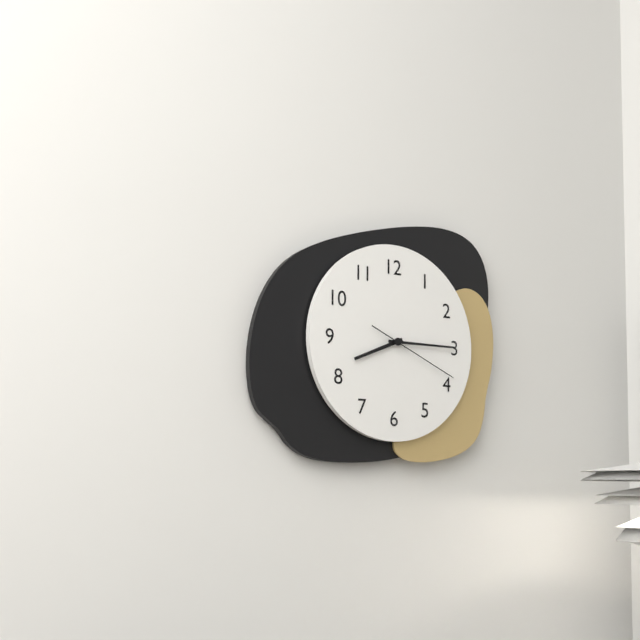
**8:15:19**
